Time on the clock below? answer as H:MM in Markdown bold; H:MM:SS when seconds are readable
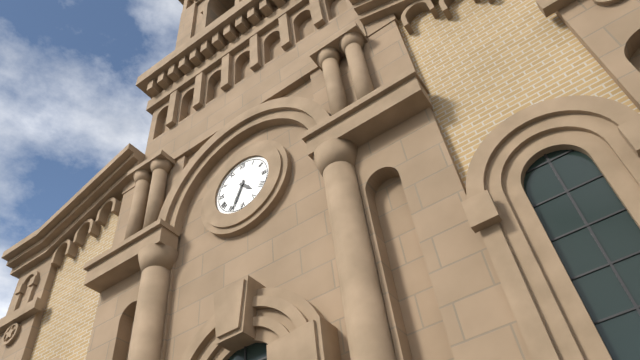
**4:34**
